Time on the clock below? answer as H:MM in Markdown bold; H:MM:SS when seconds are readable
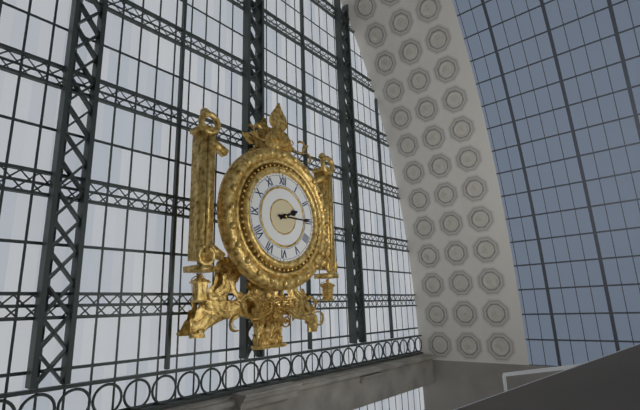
**2:15**
